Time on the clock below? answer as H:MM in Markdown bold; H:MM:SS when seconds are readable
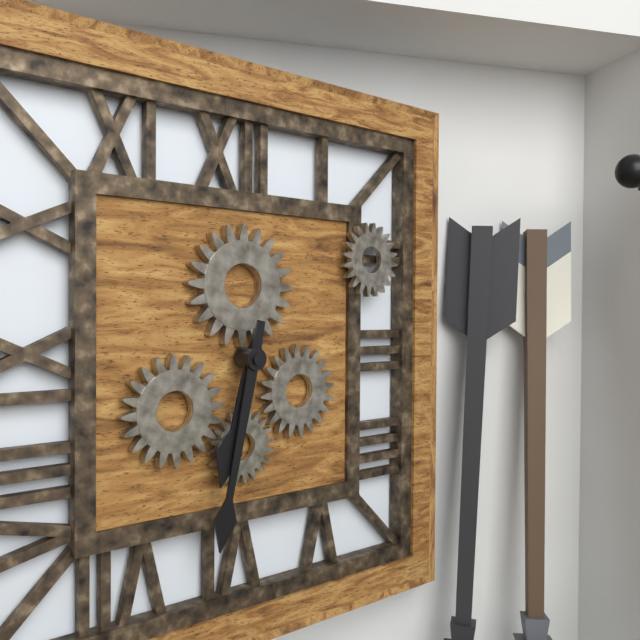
**6:32**
